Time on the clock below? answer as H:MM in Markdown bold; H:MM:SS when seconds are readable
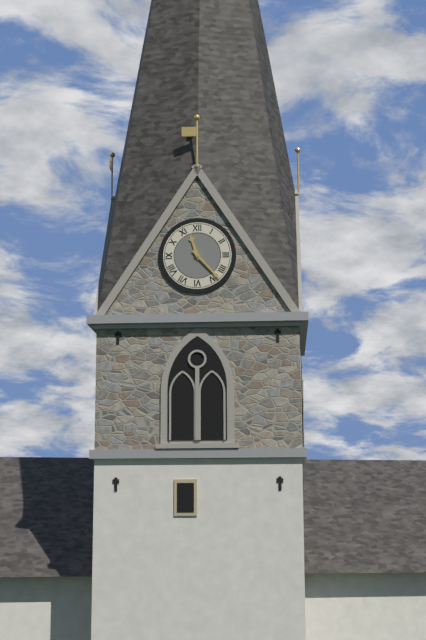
**11:23**
